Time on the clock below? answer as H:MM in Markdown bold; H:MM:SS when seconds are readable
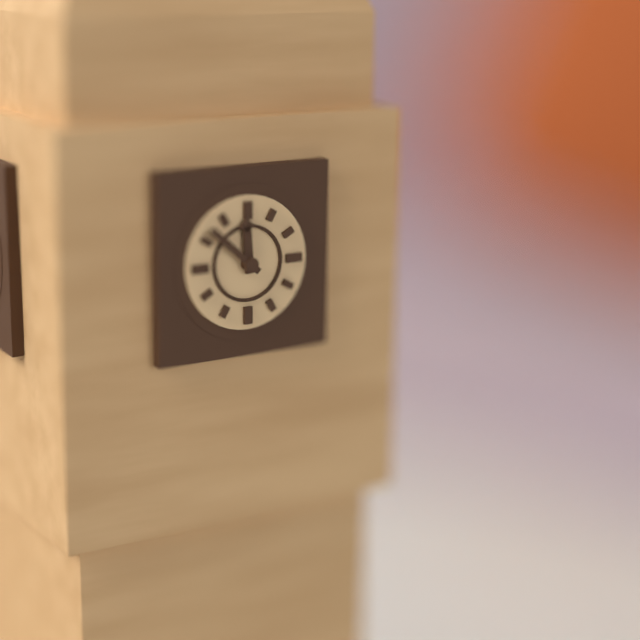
**11:52**
